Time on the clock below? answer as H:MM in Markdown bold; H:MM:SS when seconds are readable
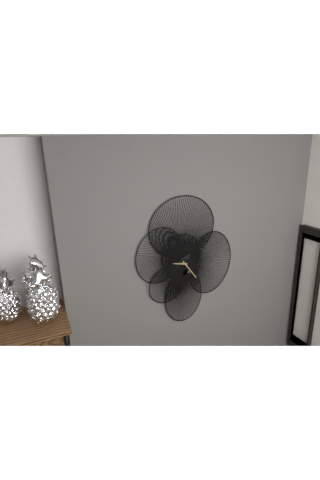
**9:24**
